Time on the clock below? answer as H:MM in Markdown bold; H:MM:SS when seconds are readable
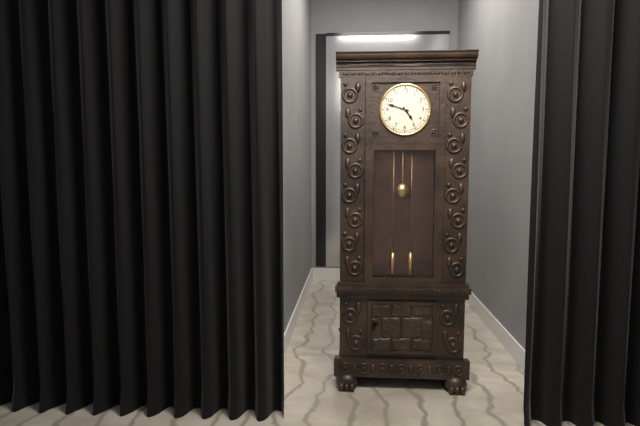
**4:48**
